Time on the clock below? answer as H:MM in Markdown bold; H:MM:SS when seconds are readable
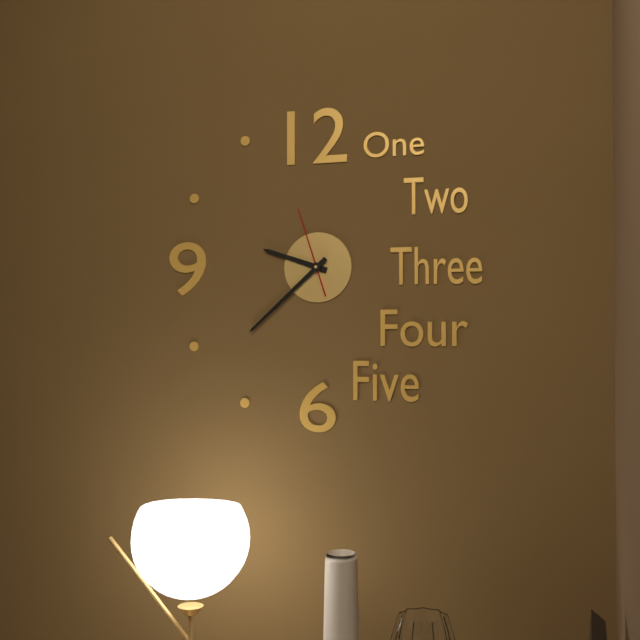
**9:38:57**
